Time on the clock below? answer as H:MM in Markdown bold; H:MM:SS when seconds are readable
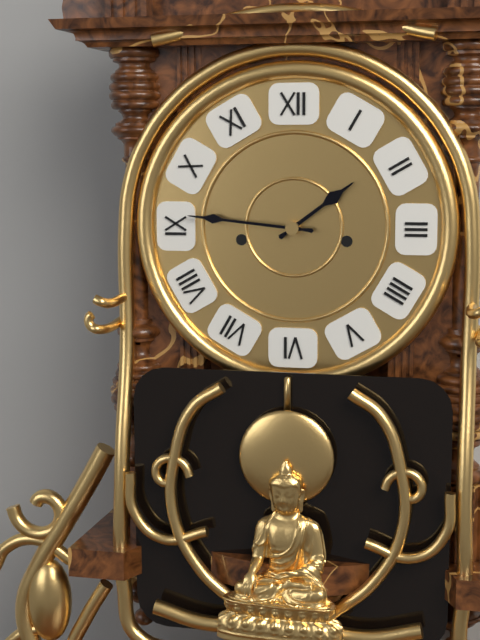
**1:46**
